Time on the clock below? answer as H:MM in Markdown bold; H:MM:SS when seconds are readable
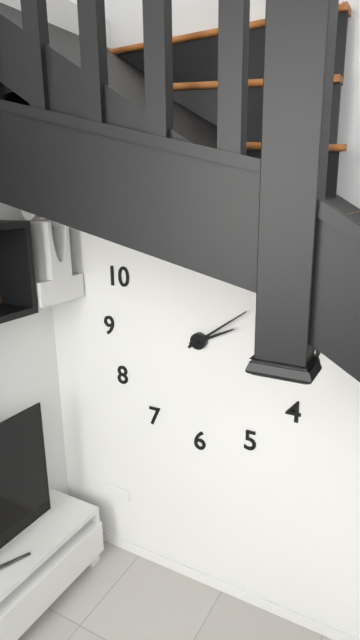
**2:09**
